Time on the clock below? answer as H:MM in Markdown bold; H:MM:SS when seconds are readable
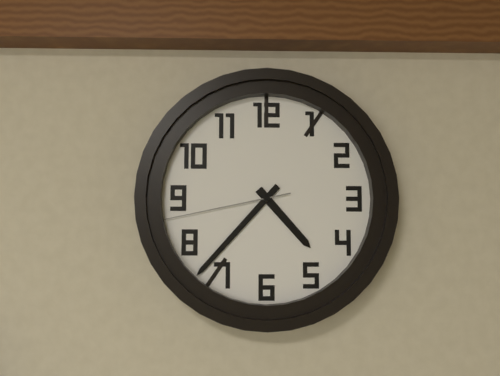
**4:37:43**
